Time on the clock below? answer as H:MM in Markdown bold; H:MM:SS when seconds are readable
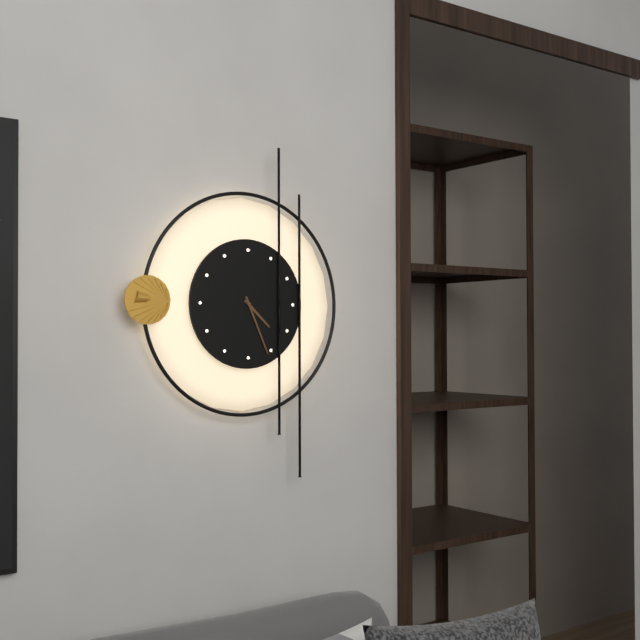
**4:26**
